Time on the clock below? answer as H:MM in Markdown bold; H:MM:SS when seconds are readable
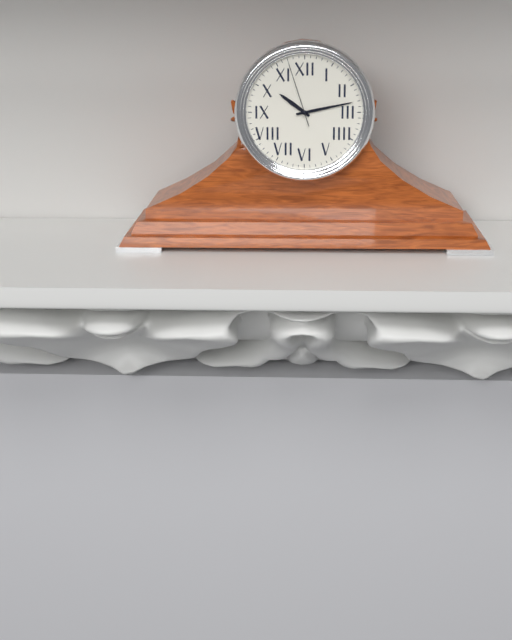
**10:13:57**
